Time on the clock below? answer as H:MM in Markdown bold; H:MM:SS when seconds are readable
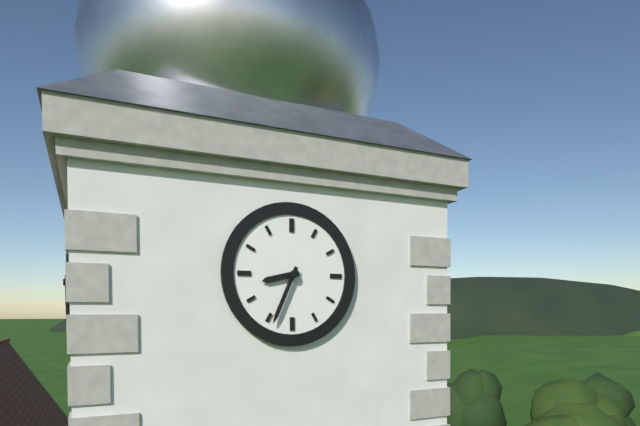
**8:34**
